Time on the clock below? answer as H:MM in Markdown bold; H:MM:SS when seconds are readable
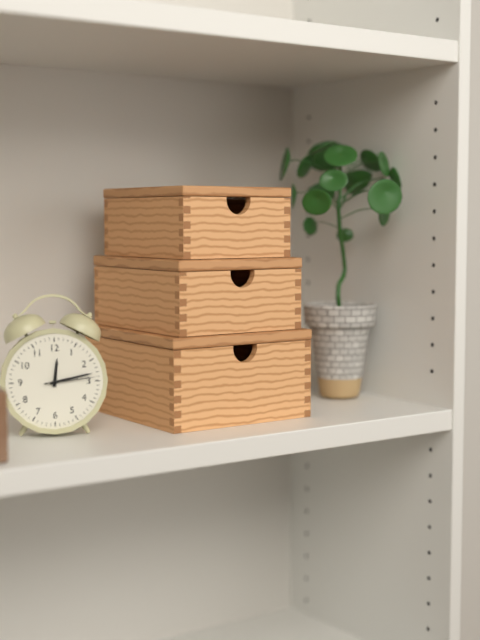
**12:13:14**
